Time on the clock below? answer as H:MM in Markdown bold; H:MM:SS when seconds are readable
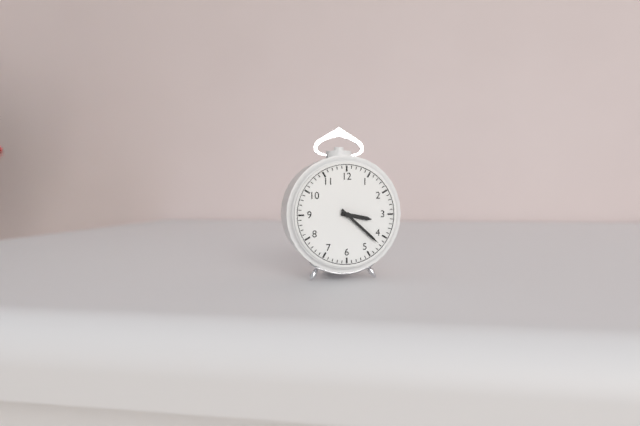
**3:22**
